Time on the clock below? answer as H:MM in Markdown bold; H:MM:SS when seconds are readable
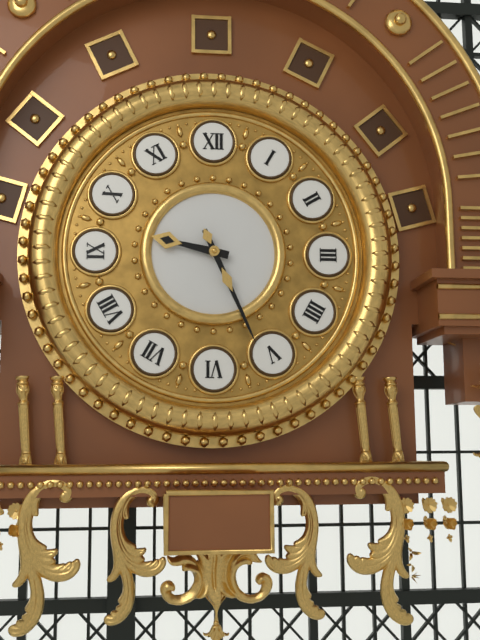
**9:26**
